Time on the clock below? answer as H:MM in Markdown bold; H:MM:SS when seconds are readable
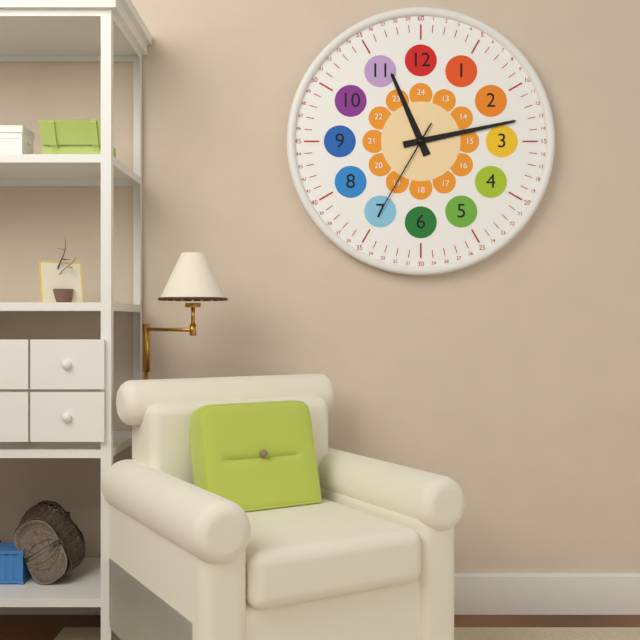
**11:13:35**
